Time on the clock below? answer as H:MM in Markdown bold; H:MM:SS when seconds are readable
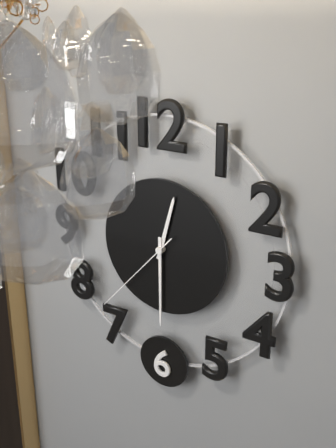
**12:30:37**
